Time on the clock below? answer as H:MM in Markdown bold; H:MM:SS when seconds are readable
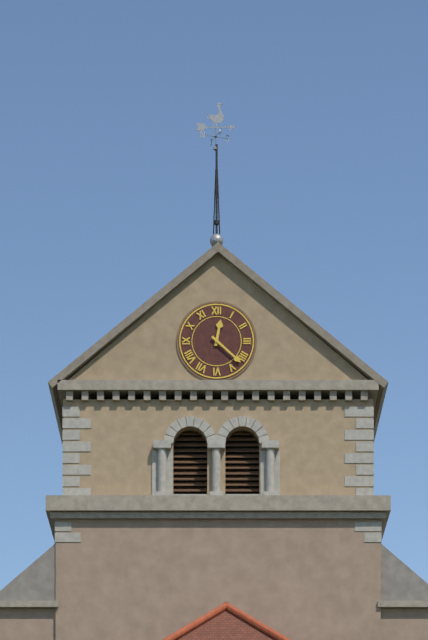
**12:22**
